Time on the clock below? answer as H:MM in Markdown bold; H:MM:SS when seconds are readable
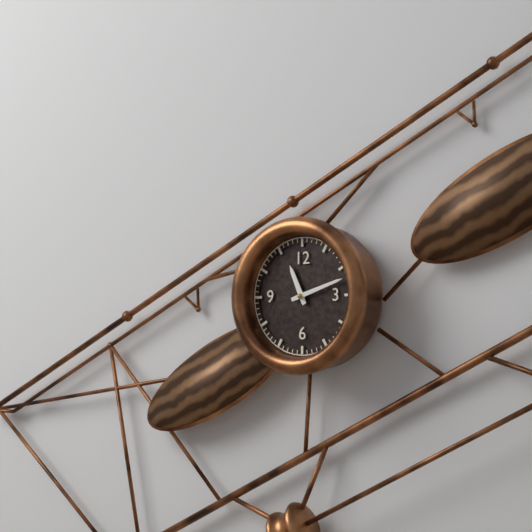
**11:12**
